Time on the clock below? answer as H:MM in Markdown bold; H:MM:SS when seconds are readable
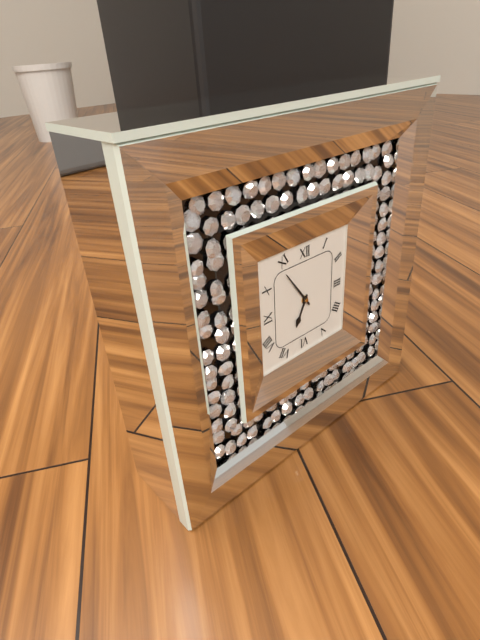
**6:54**
